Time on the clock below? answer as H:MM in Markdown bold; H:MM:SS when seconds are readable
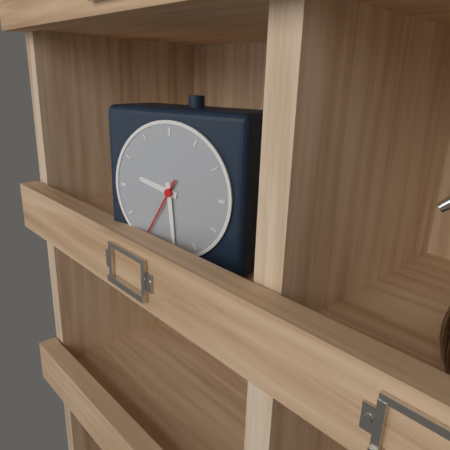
**9:29:35**
